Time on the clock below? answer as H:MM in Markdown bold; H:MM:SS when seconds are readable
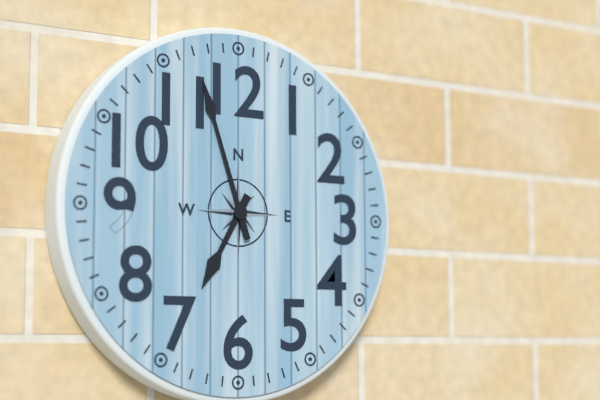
**6:57**
